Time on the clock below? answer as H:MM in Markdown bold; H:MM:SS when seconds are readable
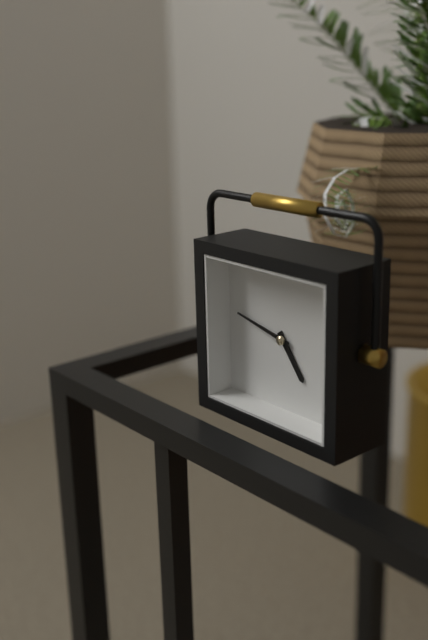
**4:47**
